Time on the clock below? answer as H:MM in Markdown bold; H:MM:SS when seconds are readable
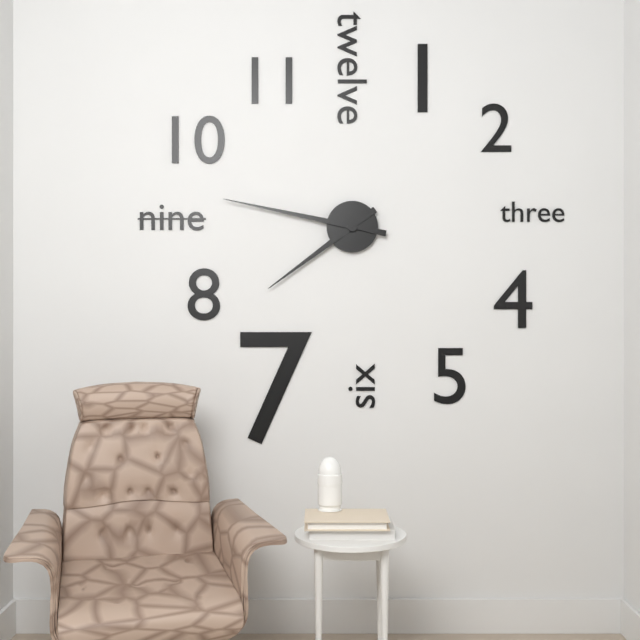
**7:47**
